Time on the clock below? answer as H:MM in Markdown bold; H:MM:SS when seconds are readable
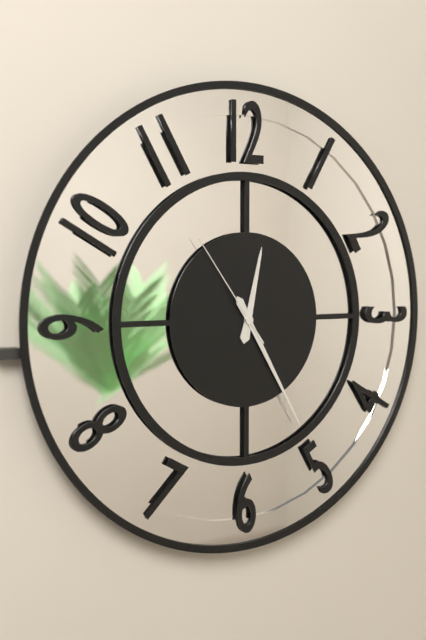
**12:25:54**
